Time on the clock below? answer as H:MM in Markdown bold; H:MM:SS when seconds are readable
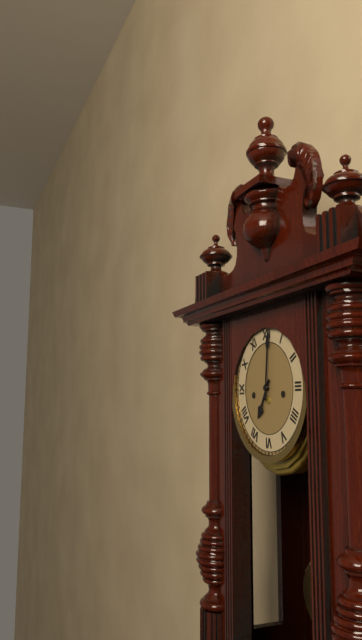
**7:01**
